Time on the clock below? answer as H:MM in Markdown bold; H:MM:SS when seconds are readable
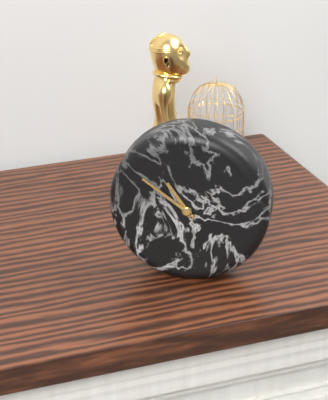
**10:51**
